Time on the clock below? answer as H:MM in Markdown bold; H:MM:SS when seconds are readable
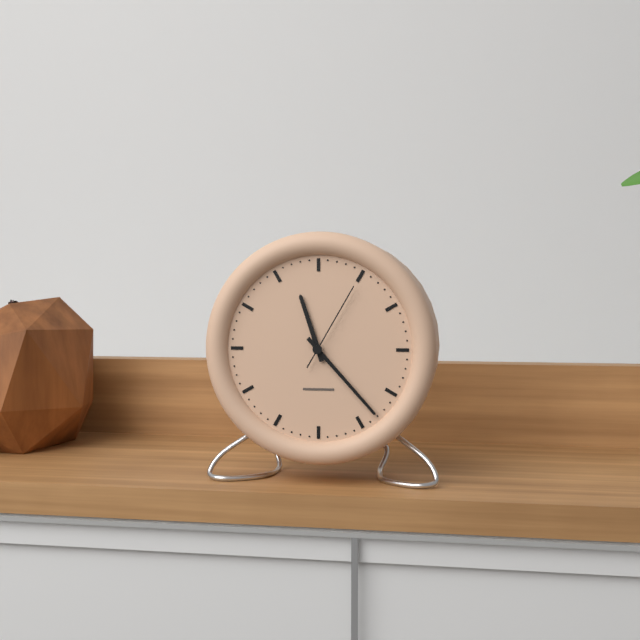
**11:23:05**
